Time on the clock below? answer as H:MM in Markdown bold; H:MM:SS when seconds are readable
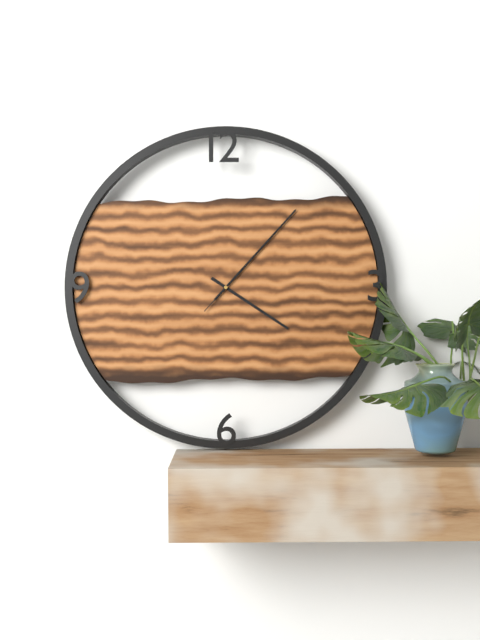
**4:07:07**
